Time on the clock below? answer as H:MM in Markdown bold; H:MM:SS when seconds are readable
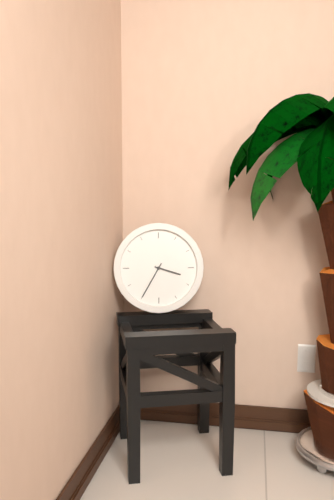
**3:35**
